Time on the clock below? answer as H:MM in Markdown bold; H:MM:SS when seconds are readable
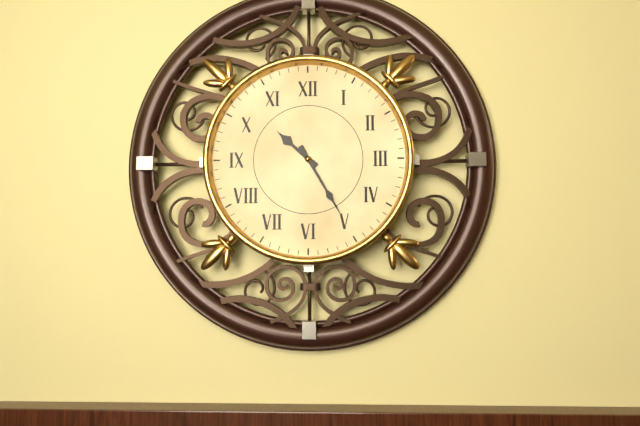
**10:25**
